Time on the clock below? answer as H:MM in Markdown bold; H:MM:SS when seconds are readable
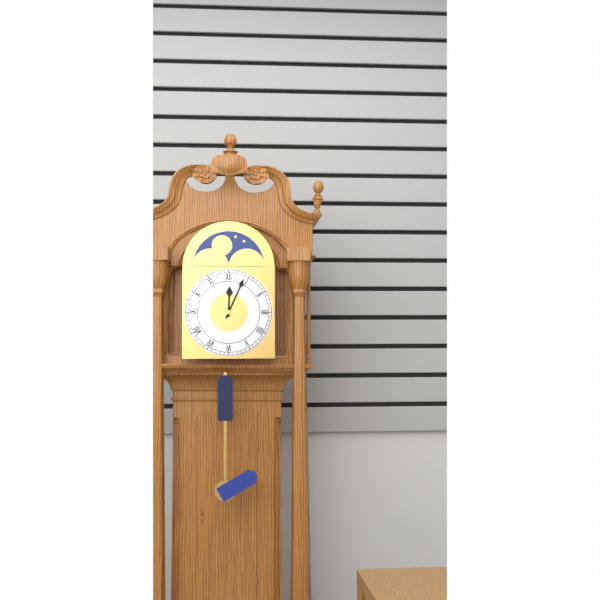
**12:04**
